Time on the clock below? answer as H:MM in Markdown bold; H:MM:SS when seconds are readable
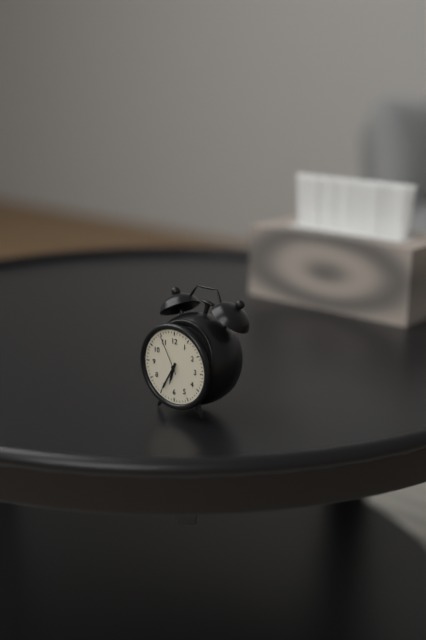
**6:35**
